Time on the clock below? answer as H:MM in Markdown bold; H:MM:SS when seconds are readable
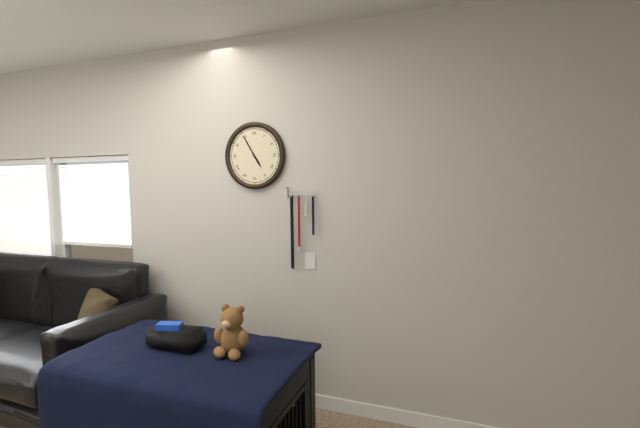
**4:55**
